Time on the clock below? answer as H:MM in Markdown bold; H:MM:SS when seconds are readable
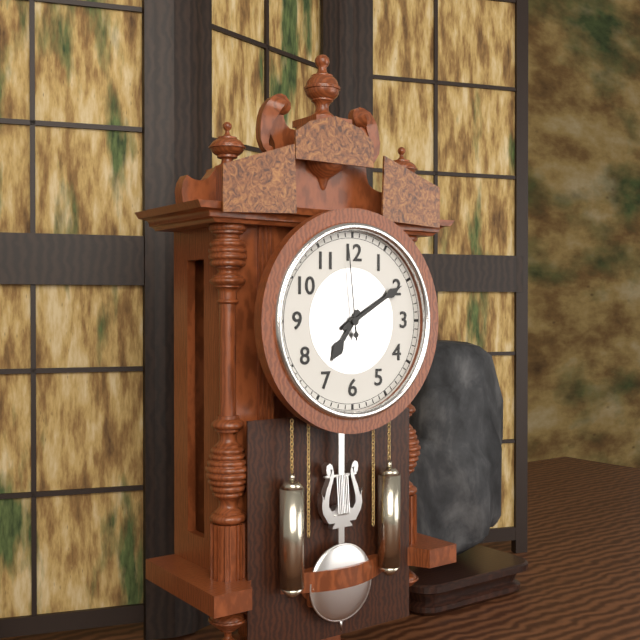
**7:10:59**
